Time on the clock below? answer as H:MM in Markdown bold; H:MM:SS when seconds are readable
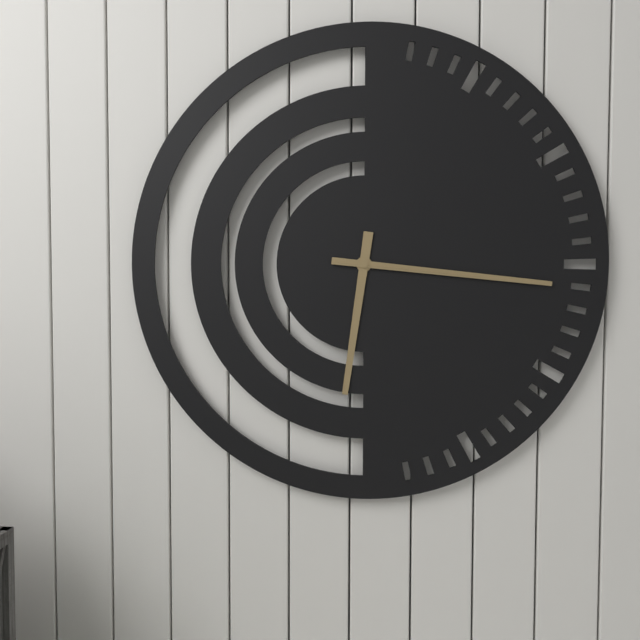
**6:16:16**
